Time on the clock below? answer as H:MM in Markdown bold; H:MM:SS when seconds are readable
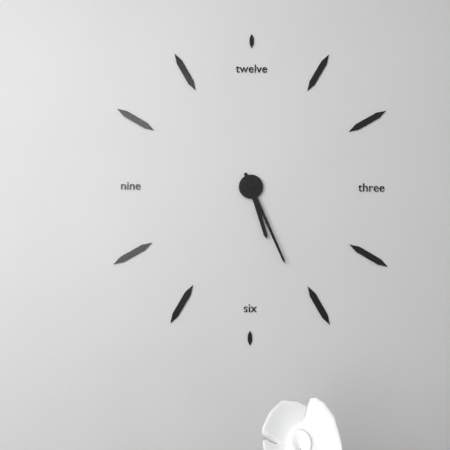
**5:26**
